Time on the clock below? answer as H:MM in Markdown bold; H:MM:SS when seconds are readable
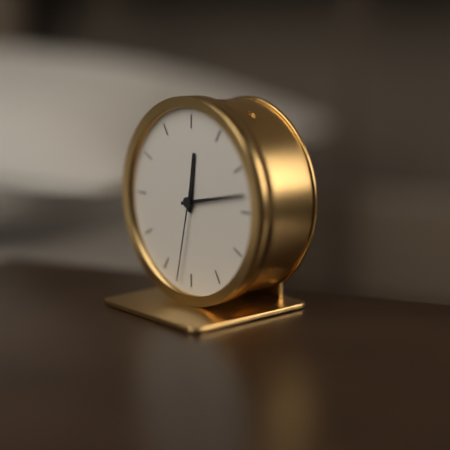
**12:13:32**
